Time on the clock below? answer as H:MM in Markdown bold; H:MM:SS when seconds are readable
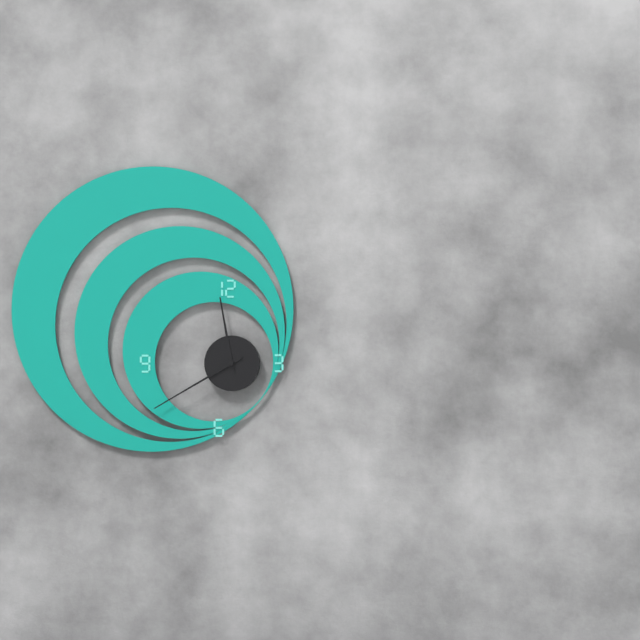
**11:40**
